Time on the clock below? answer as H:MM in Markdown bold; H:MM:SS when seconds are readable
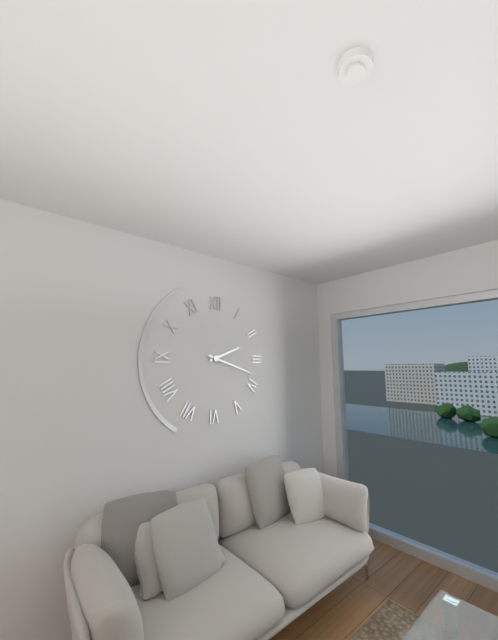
**2:18**
